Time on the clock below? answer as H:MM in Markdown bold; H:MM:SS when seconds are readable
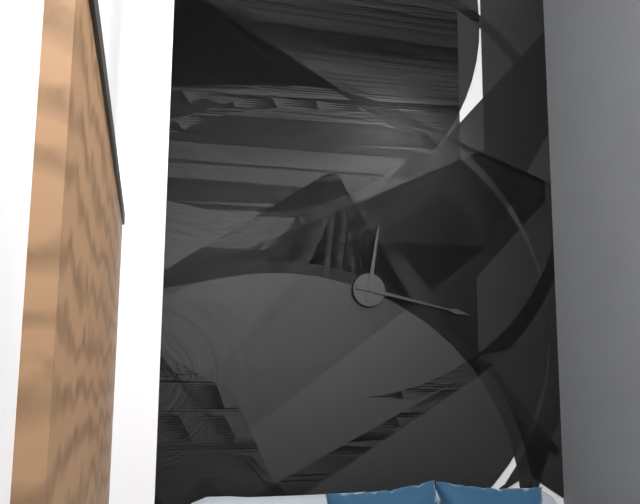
**12:17**
